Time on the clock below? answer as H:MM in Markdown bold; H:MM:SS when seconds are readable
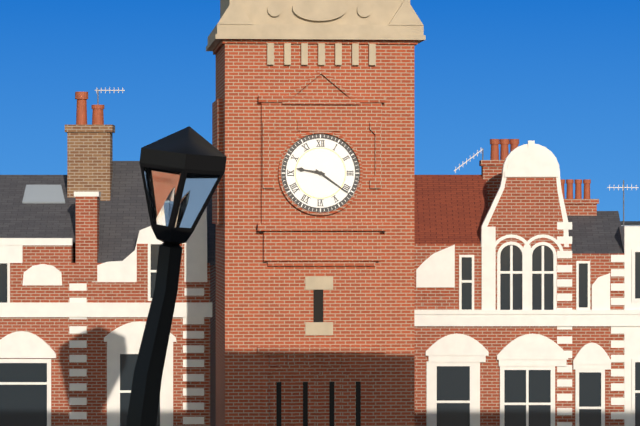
**9:21**
